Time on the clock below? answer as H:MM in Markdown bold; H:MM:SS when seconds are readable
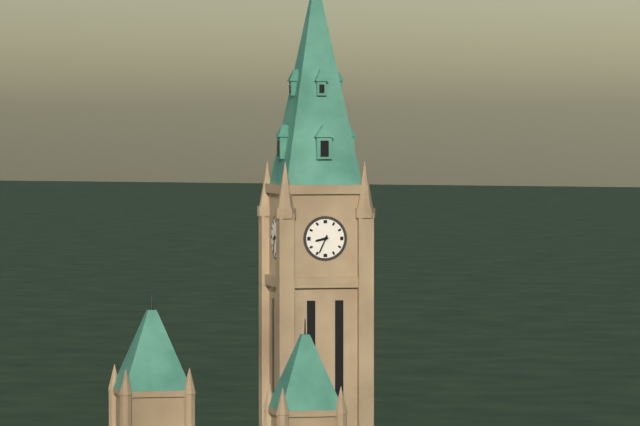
**8:34**
